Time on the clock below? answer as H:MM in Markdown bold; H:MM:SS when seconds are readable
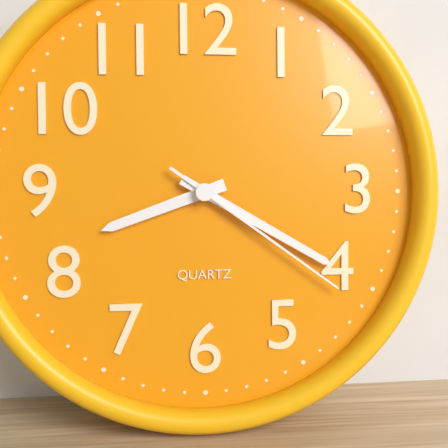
**8:20:21**
